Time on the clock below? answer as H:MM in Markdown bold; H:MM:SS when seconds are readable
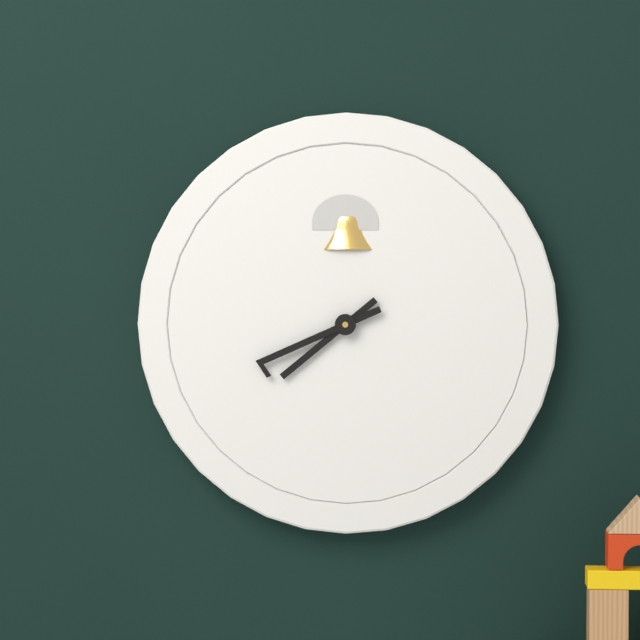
**7:41**
